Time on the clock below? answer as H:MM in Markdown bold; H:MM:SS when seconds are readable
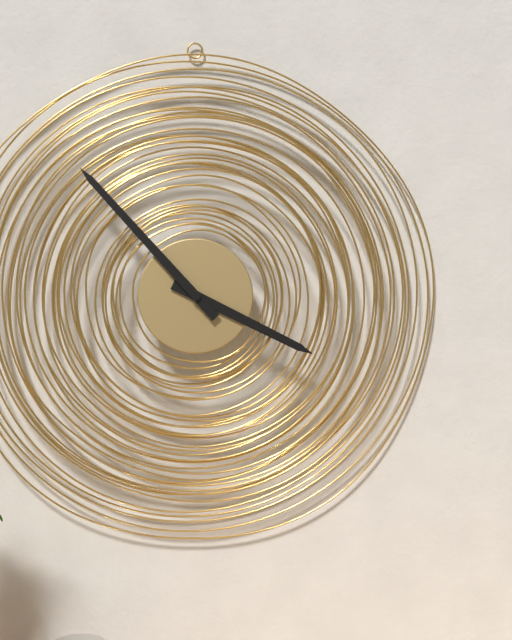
**3:53**
